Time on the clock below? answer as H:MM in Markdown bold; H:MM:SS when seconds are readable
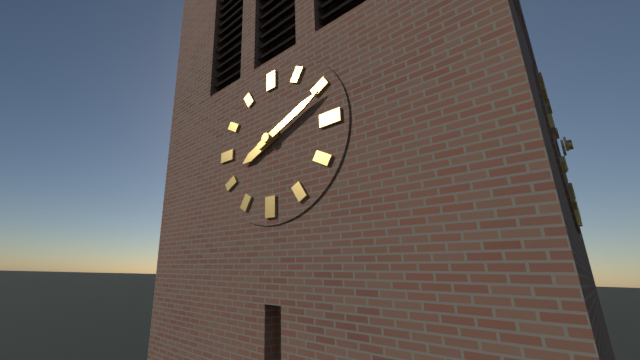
**8:11**
